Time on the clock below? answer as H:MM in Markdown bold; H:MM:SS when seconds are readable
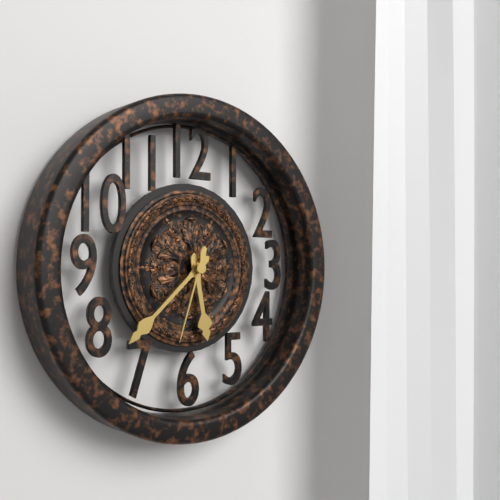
**5:38:33**
